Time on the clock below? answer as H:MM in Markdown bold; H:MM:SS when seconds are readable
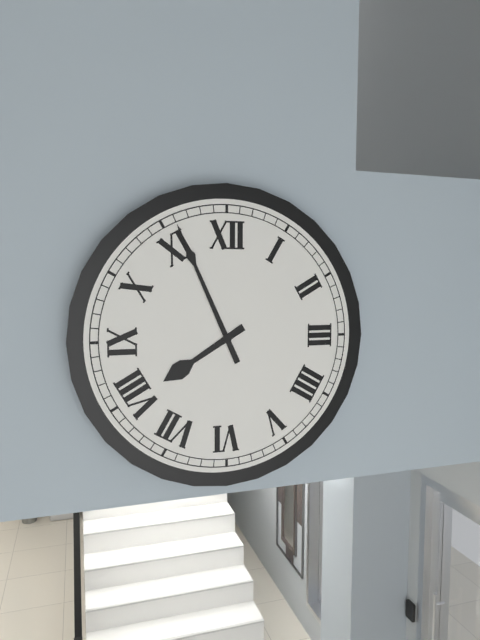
**7:56**
